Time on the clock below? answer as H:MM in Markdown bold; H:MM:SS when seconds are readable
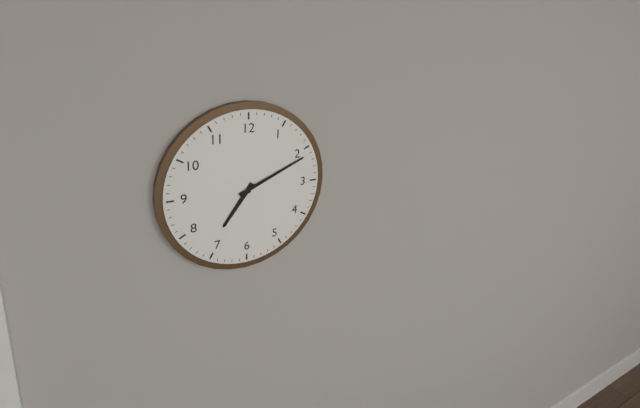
**7:11**
